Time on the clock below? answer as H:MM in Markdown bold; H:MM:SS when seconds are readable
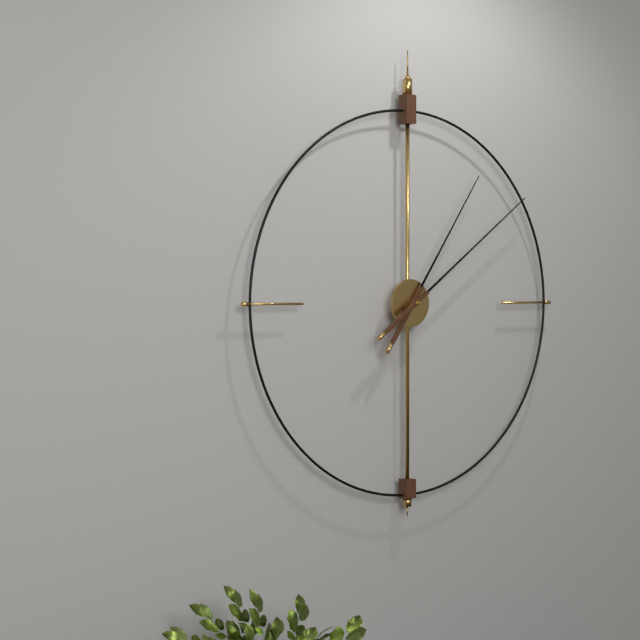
**1:09**
